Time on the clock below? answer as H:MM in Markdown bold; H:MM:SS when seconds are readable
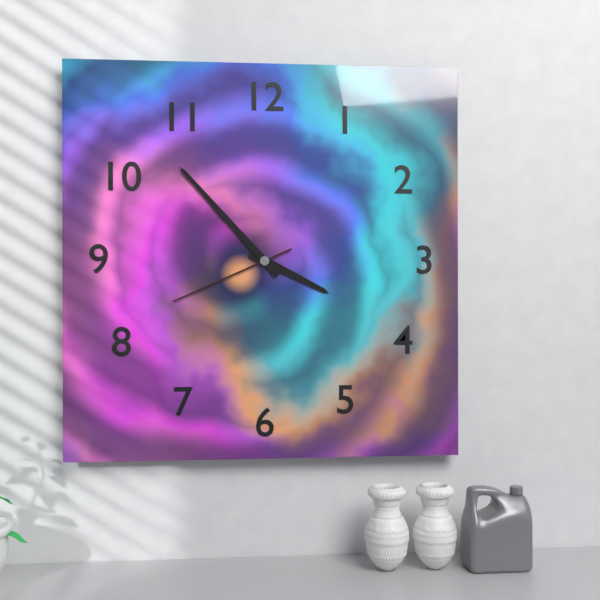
**3:53:41**
